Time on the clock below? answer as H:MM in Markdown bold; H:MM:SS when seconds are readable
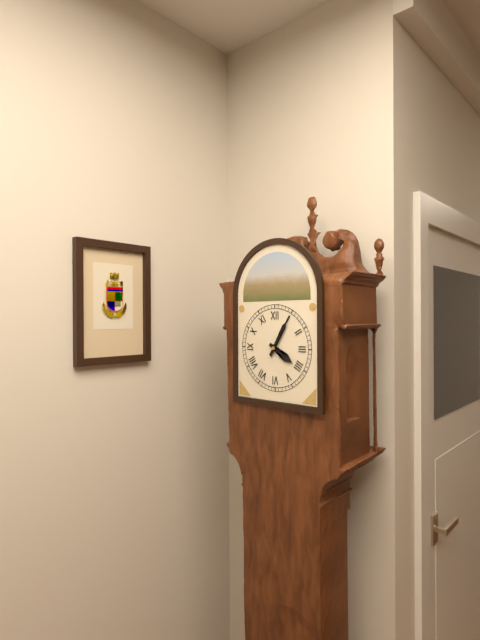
**4:05**
